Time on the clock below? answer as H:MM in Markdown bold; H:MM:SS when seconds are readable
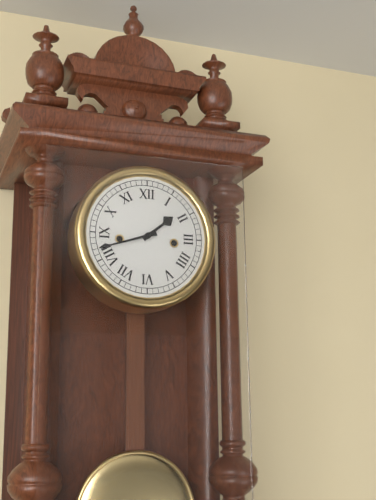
**1:42**
